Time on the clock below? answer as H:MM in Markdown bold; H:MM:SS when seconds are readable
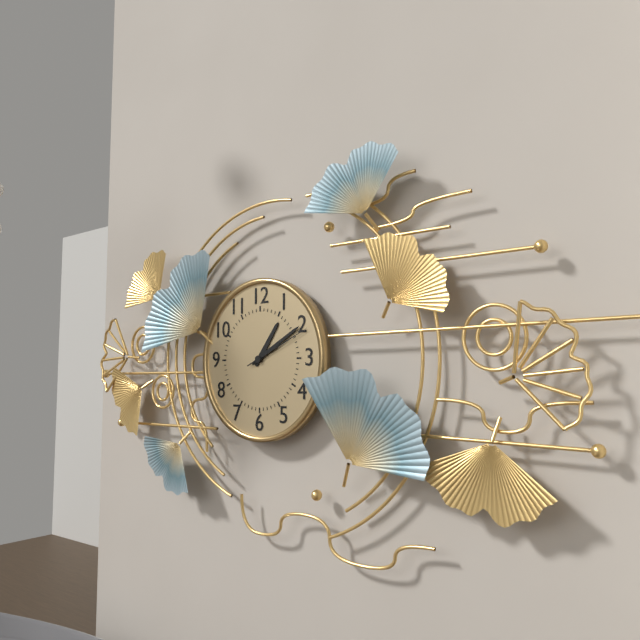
**1:10:11**
